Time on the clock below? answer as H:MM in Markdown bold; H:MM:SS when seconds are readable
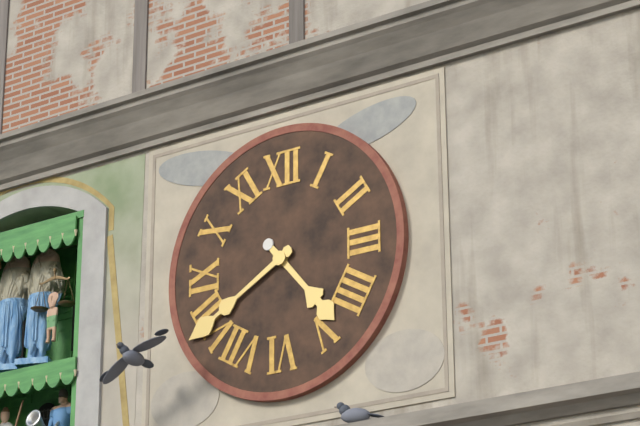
**4:40**
